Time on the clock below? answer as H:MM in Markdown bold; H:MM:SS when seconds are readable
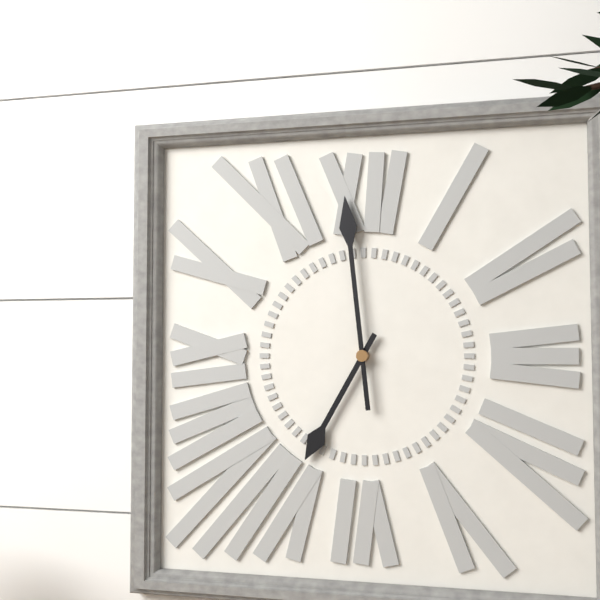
**6:59**
